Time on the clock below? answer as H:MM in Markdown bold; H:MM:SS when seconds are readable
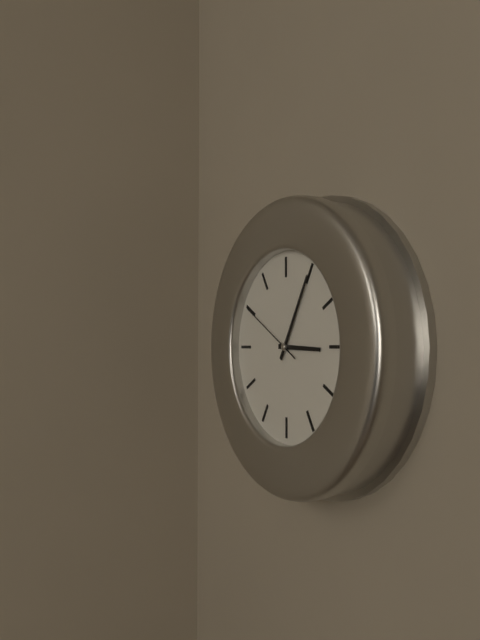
**3:05:50**
